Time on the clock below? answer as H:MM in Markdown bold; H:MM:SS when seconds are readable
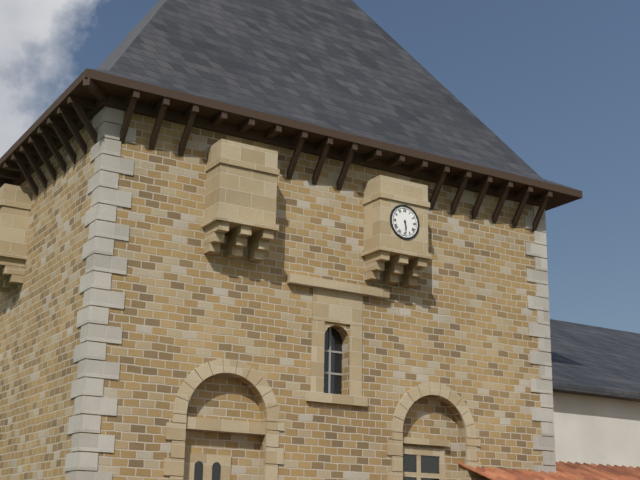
**5:29**
